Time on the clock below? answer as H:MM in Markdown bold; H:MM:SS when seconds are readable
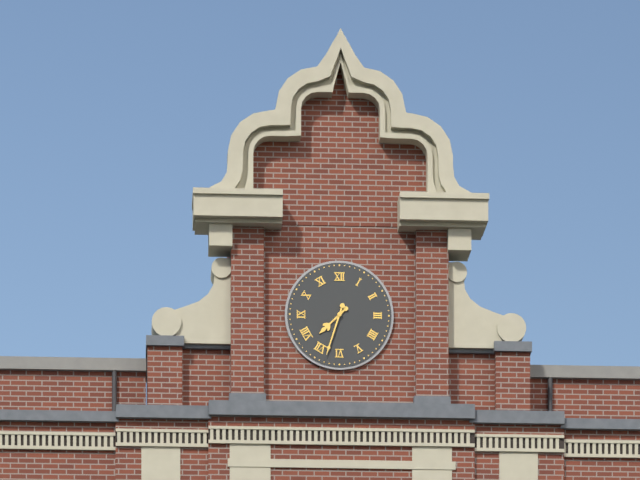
**7:33**
